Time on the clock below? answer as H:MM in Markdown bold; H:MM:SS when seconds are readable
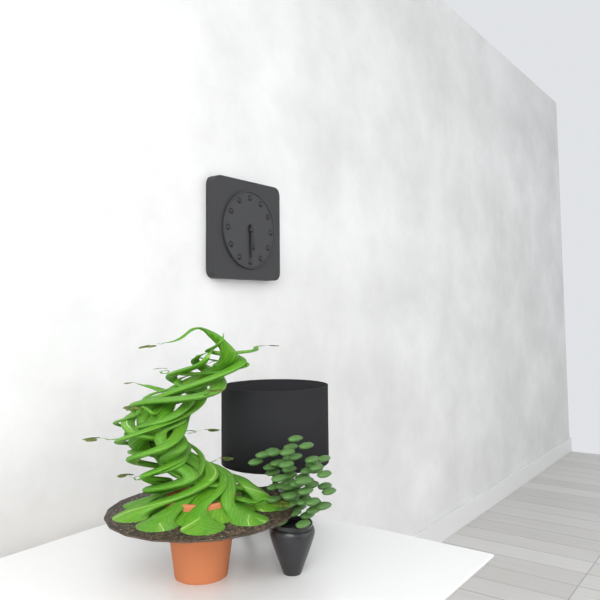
**5:30**
